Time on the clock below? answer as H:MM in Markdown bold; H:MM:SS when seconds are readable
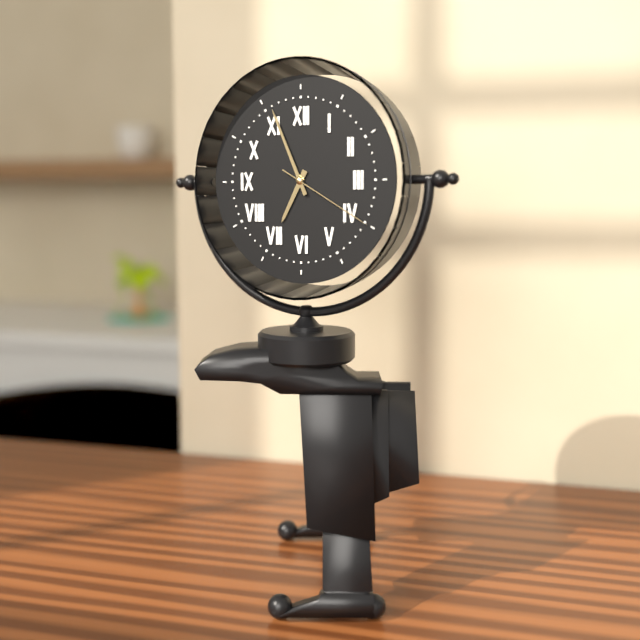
**6:56:20**
